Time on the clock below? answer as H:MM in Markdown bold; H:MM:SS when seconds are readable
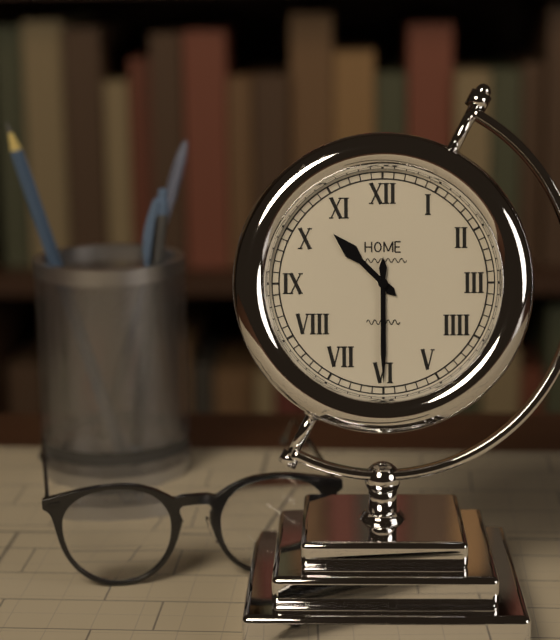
**10:30**
